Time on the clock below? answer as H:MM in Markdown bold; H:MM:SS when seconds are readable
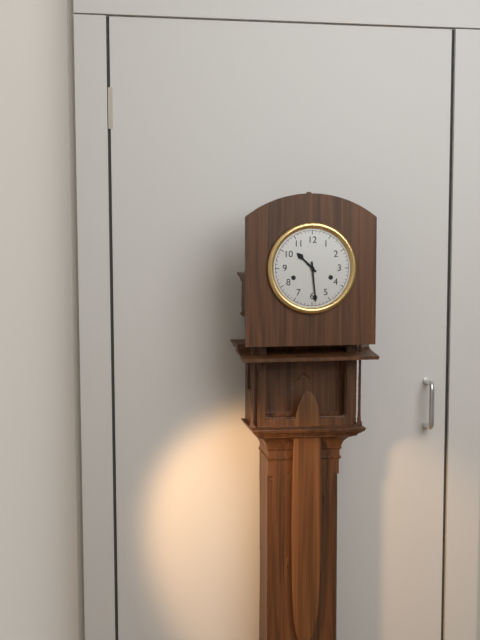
**10:29**
